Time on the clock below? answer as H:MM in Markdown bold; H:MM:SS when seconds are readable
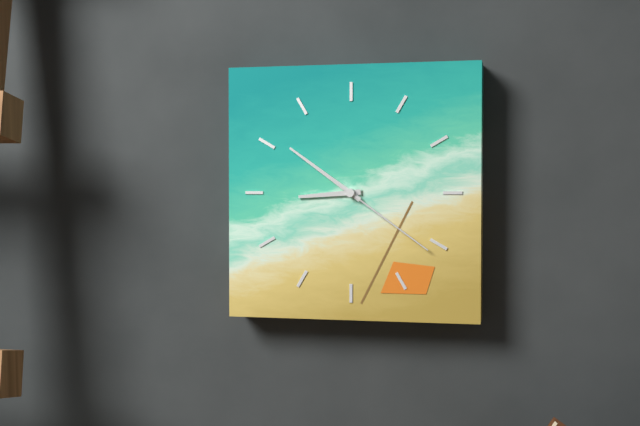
**8:51:21**
